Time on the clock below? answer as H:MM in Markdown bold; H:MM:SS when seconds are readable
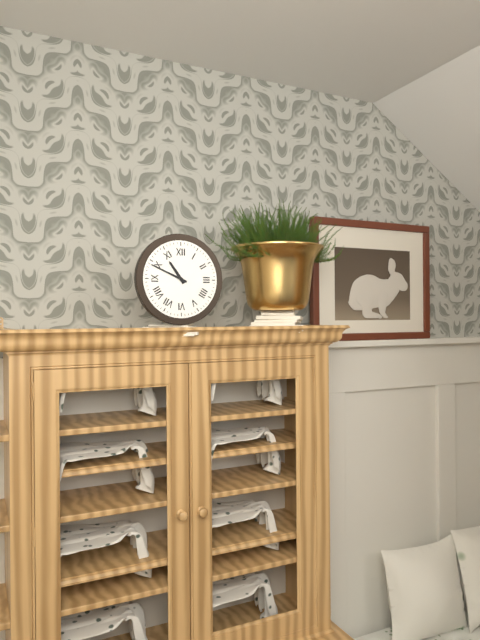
**10:49**
